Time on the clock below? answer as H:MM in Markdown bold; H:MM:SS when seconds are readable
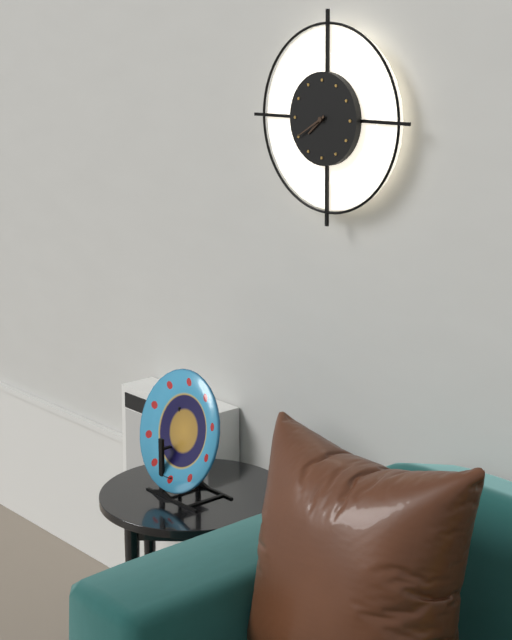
**7:40**
